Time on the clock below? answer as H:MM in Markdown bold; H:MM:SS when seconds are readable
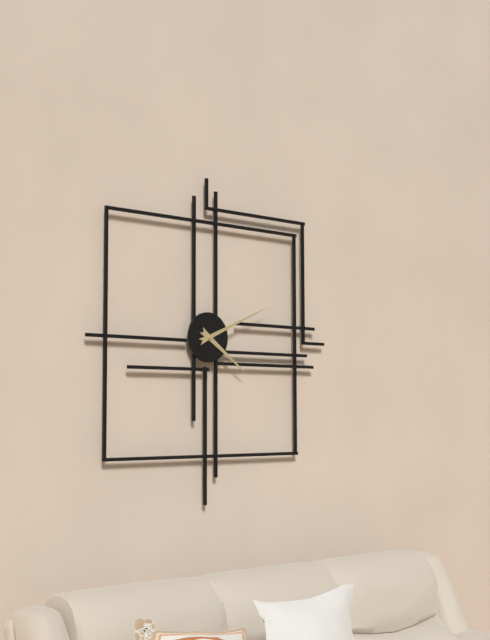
**4:11**
